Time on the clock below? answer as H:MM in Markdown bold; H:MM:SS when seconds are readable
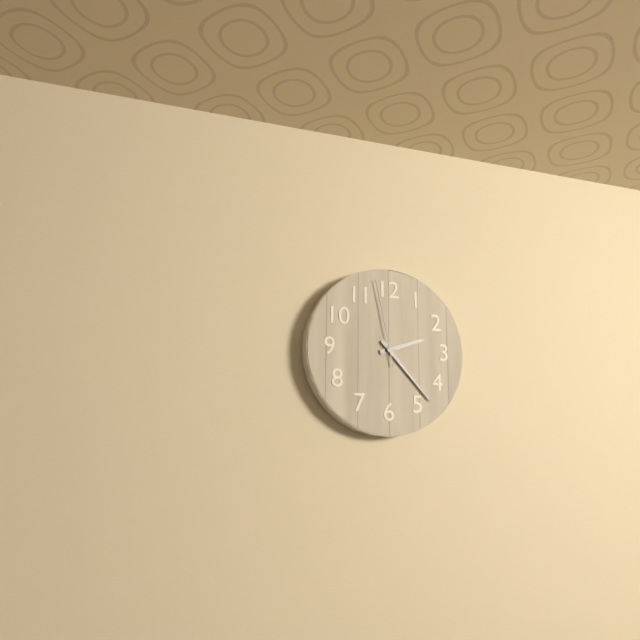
**2:23:58**
